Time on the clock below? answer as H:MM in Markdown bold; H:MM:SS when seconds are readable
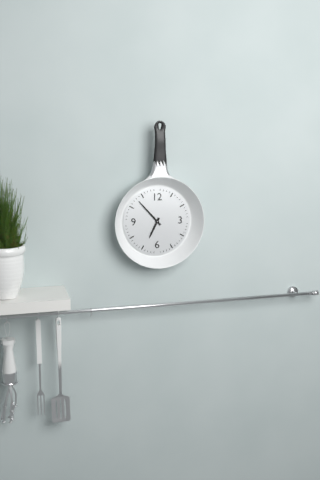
**6:53**
